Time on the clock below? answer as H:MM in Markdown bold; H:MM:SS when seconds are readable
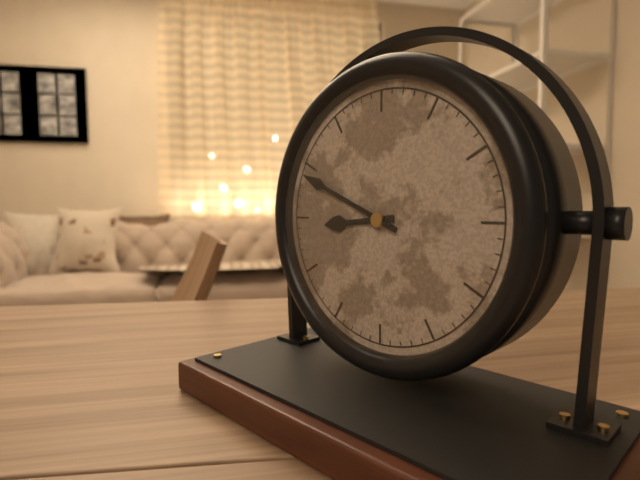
**8:49**
